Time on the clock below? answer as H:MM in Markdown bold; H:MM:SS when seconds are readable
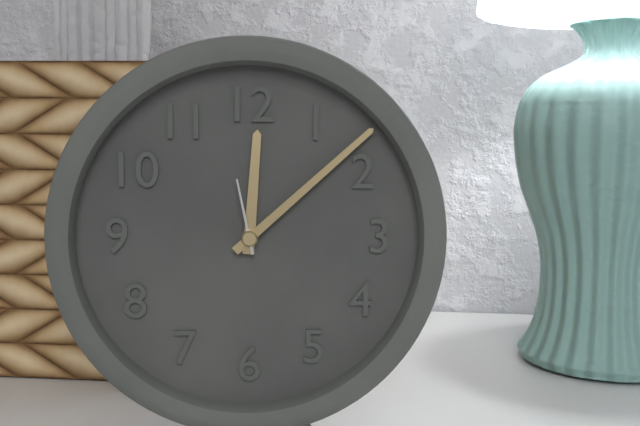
**12:08:58**
